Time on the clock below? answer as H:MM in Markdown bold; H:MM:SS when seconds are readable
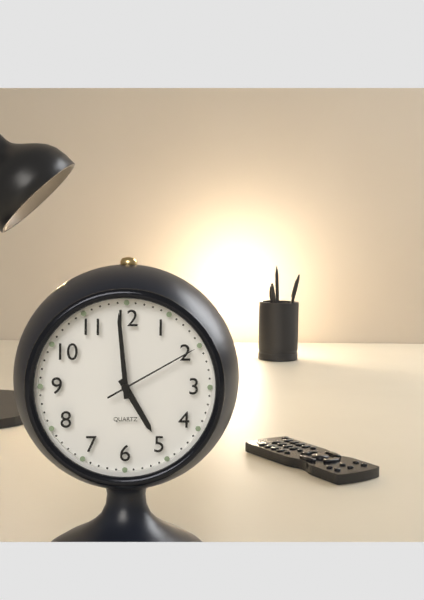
**4:59:10**
